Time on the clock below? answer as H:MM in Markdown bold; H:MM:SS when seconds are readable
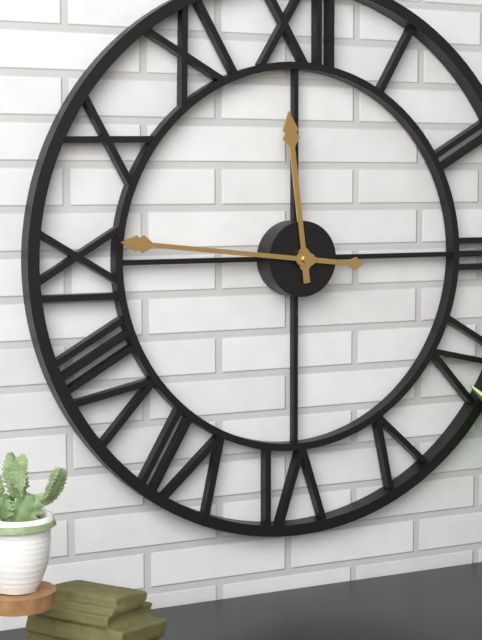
**11:46**
